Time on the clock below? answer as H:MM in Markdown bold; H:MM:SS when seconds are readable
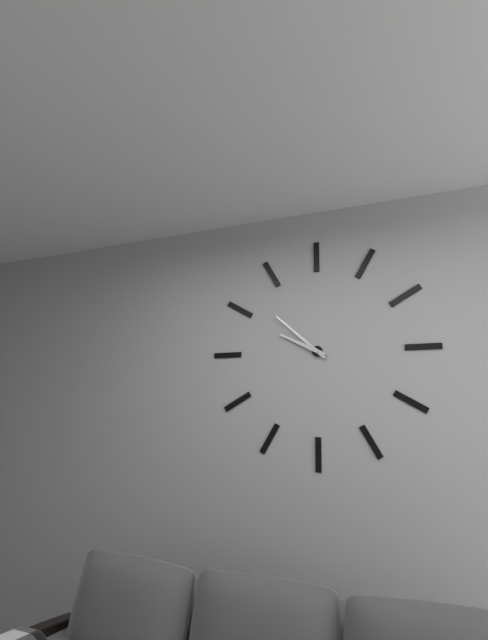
**9:52**
